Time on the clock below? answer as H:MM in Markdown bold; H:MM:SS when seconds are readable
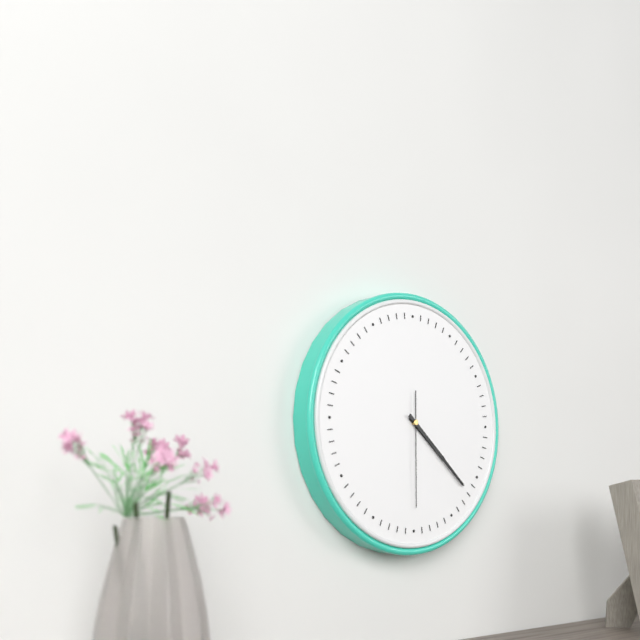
**4:22:30**
